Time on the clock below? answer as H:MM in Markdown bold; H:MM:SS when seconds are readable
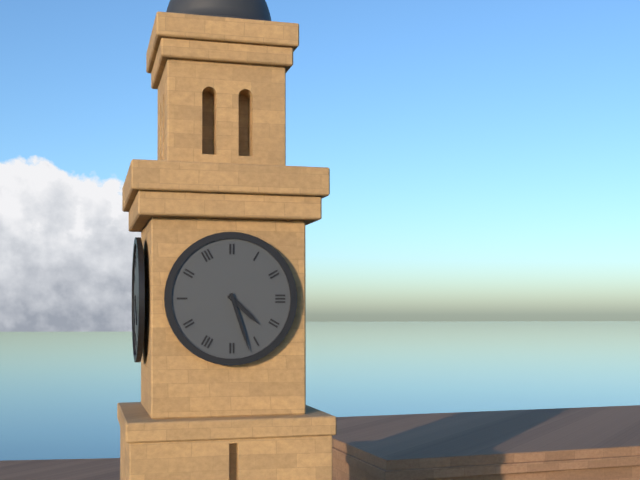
**4:27**
